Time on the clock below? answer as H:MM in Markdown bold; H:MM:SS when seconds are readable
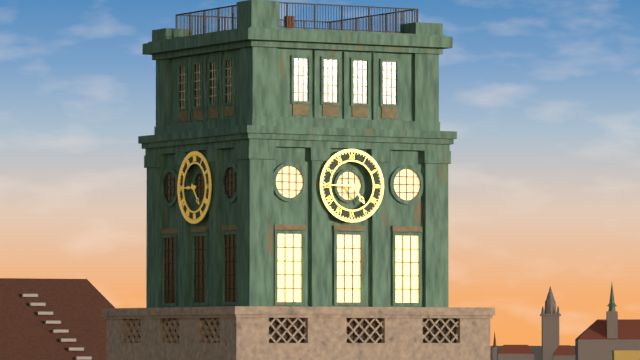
**4:45**
